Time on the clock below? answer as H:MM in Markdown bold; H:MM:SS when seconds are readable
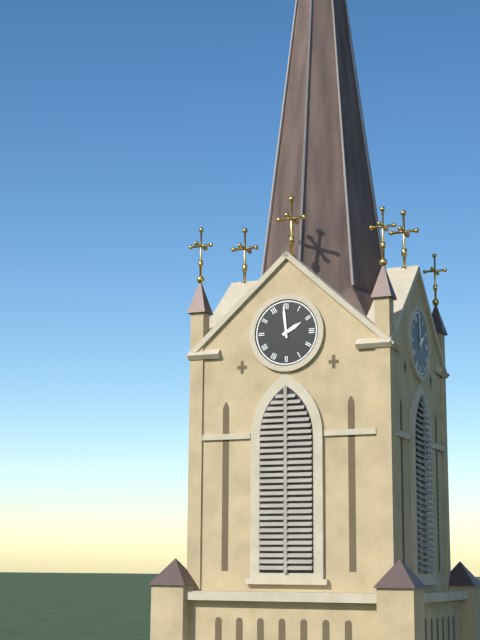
**1:59**
